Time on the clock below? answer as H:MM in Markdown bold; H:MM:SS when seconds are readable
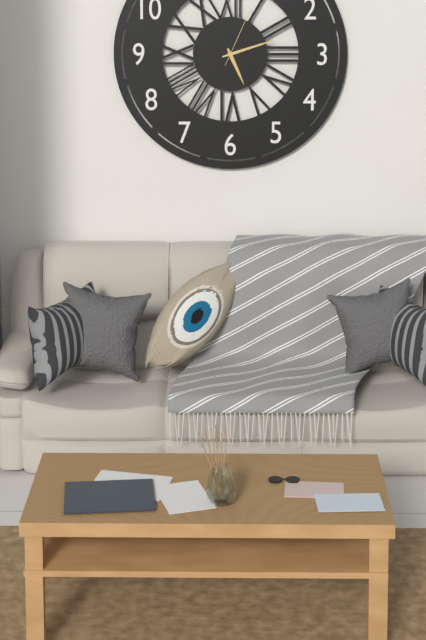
**5:12:04**
